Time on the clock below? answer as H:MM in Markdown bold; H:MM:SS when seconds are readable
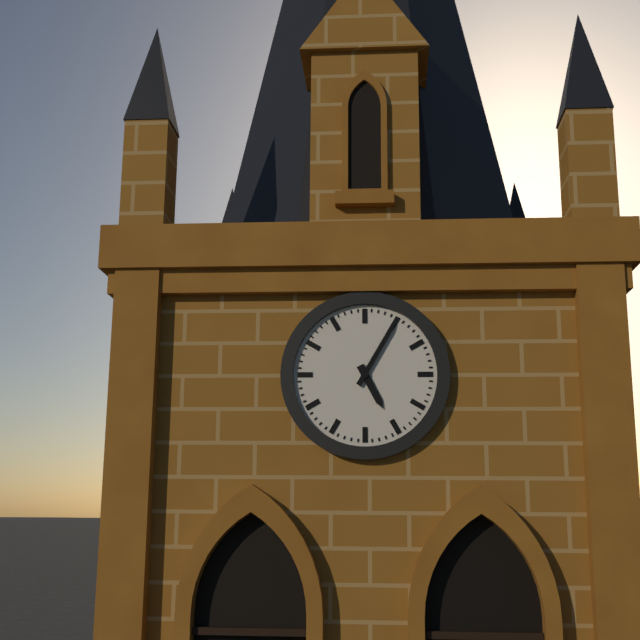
**5:05**
